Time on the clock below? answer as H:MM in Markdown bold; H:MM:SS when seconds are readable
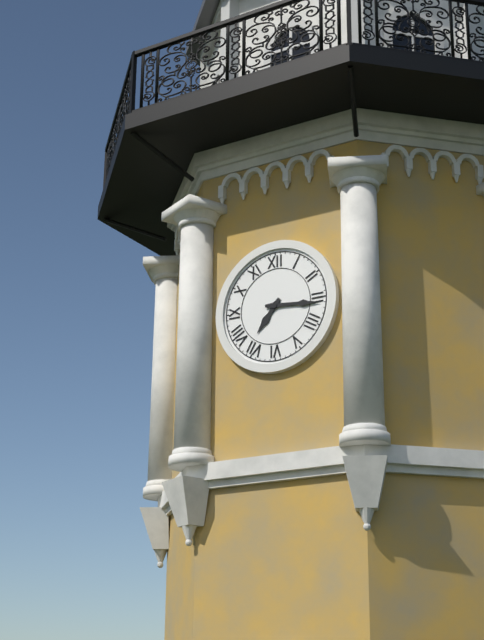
**7:16**
